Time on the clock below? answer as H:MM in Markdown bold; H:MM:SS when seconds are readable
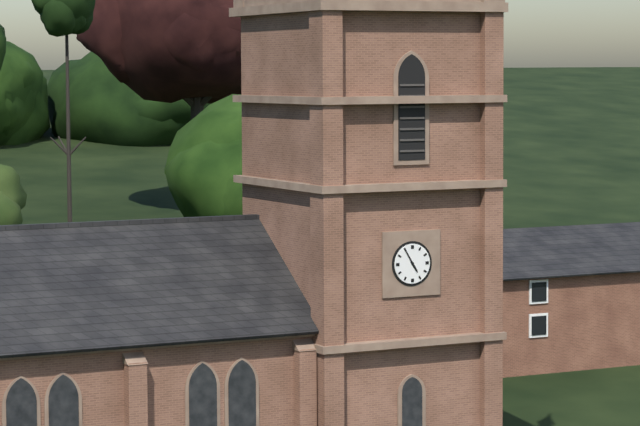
**4:55**
